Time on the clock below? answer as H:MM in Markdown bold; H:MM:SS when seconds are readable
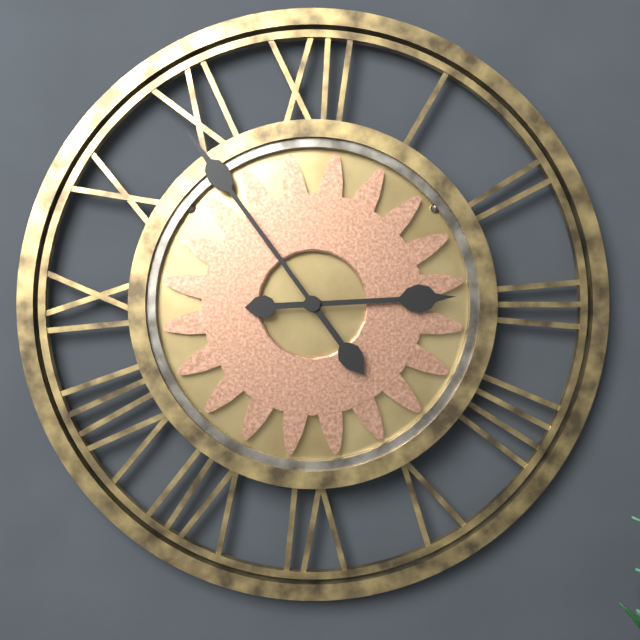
**2:54**
